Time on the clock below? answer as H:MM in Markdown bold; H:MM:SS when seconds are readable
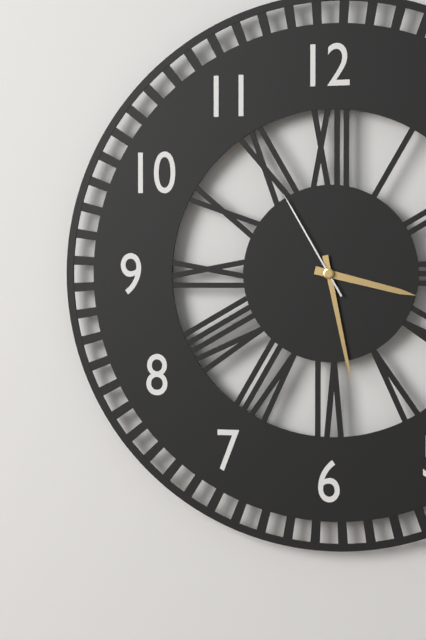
**3:28:55**
